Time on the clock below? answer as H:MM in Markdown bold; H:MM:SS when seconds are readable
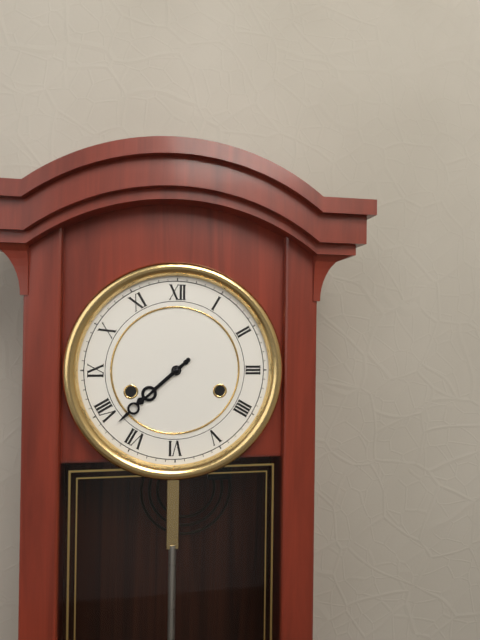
**7:38**
